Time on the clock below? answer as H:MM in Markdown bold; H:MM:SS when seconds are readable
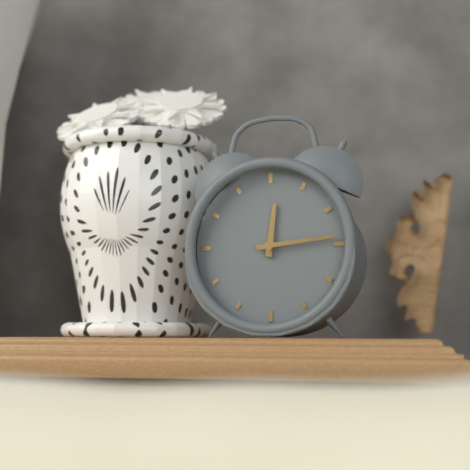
**12:14**
